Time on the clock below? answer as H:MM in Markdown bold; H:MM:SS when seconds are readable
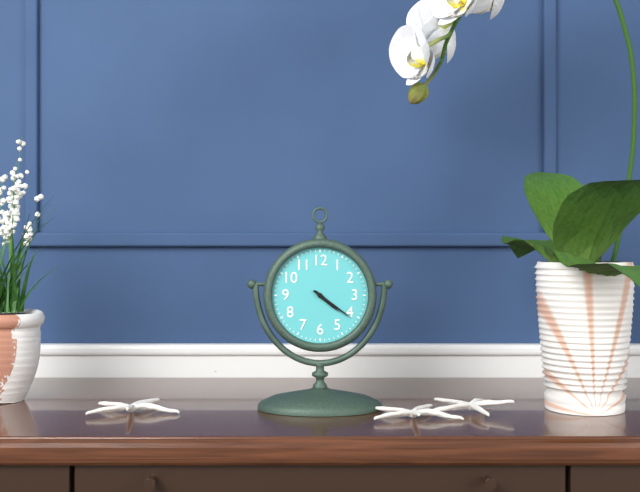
**4:21**
